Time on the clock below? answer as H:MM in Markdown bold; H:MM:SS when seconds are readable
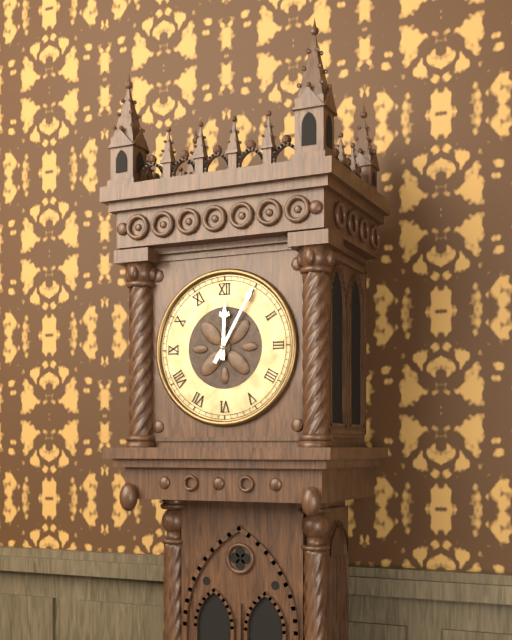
**12:05**
